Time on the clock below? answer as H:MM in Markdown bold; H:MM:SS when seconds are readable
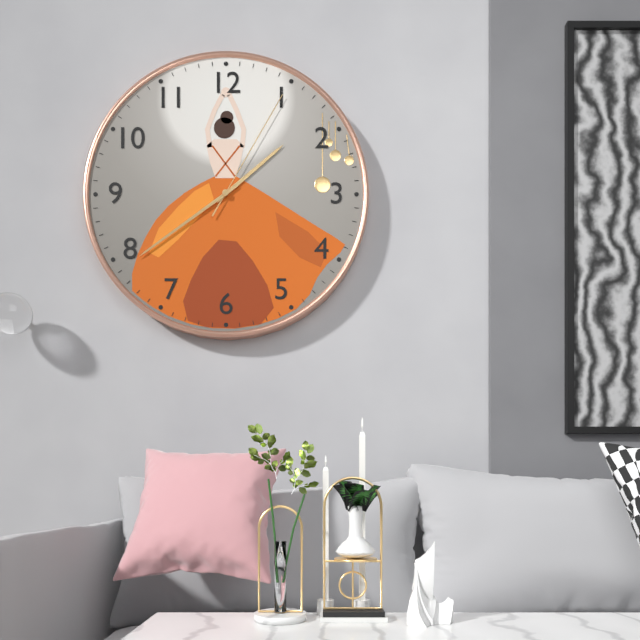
**1:39:05**
